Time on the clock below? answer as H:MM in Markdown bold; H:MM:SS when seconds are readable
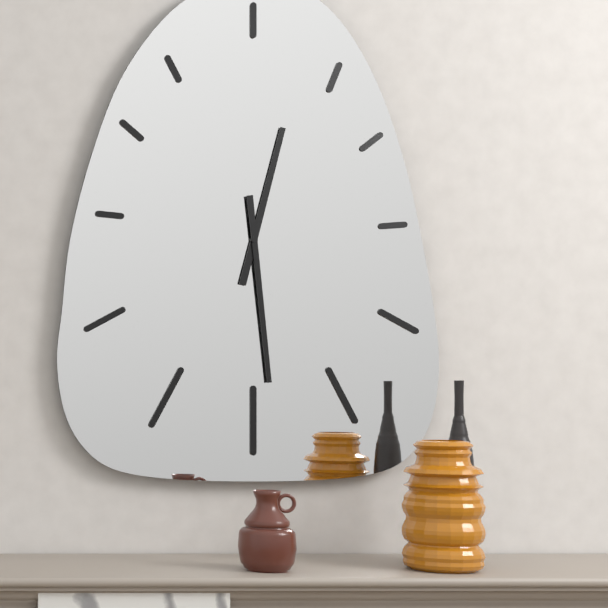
**12:29**
